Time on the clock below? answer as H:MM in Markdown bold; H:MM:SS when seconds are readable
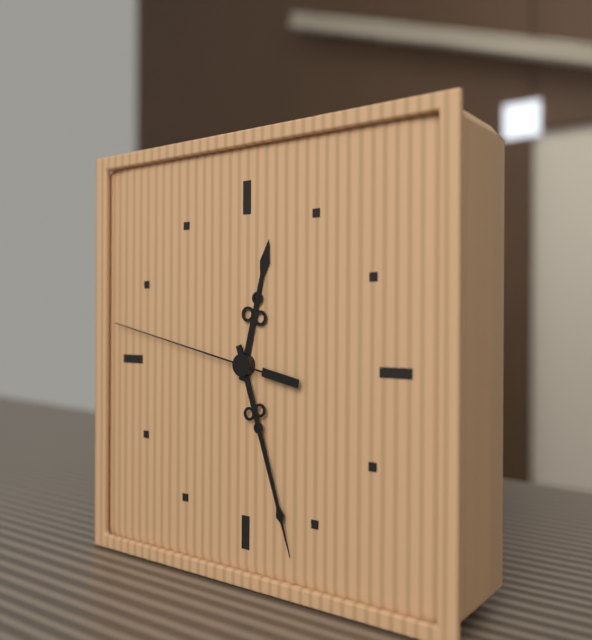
**12:27:47**
